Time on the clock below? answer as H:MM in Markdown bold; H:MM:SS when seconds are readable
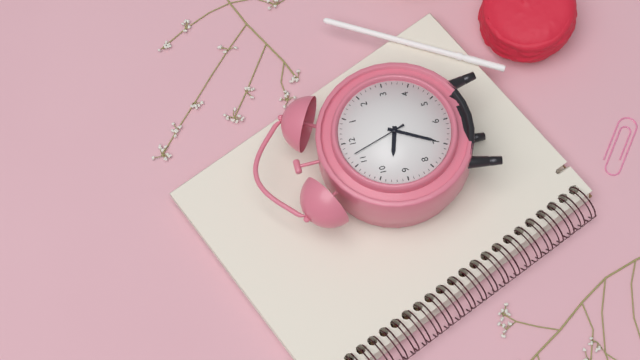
**9:35:57**
